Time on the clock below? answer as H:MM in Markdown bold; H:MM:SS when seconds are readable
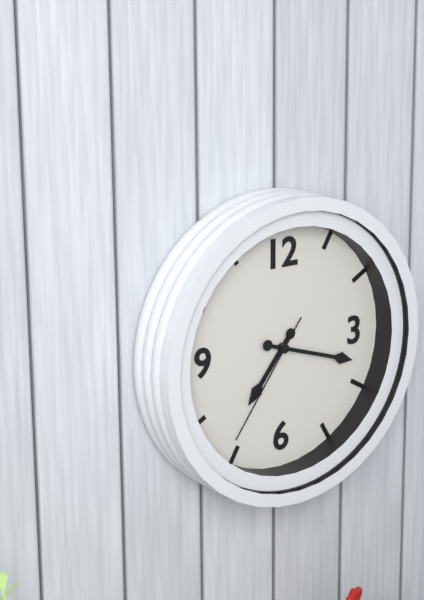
**7:18:36**
